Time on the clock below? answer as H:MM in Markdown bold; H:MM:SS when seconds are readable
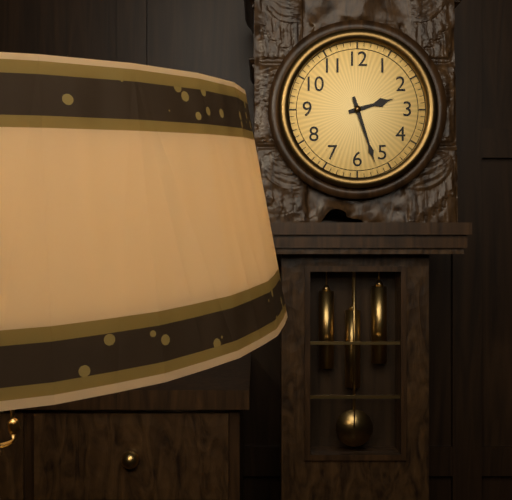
**2:27**
